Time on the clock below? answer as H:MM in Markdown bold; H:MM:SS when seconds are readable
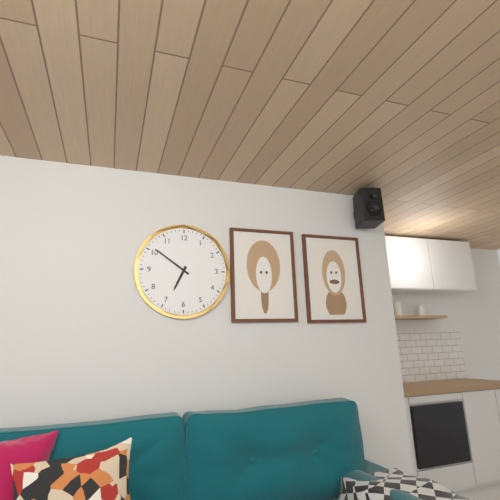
**6:51**
